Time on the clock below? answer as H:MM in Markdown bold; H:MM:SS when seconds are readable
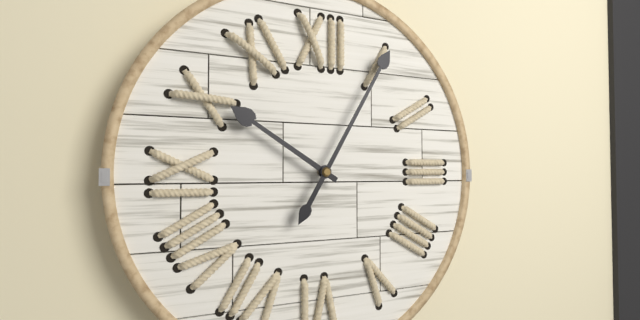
**10:05**
